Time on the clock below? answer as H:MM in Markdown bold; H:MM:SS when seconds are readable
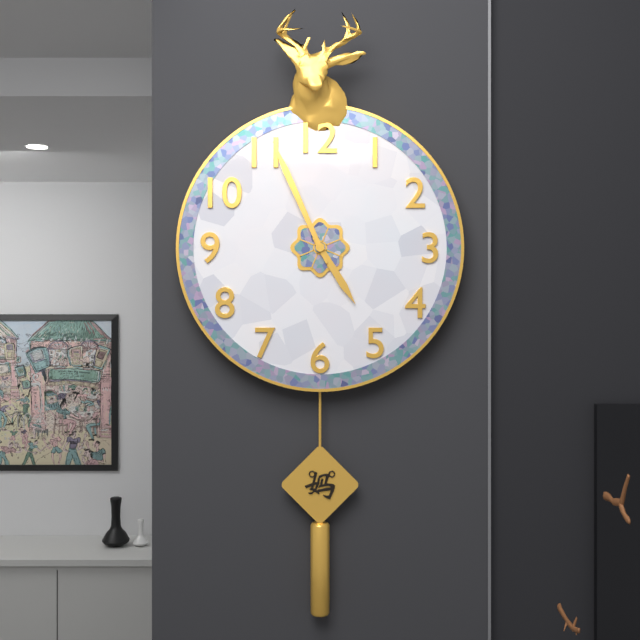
**4:56**
